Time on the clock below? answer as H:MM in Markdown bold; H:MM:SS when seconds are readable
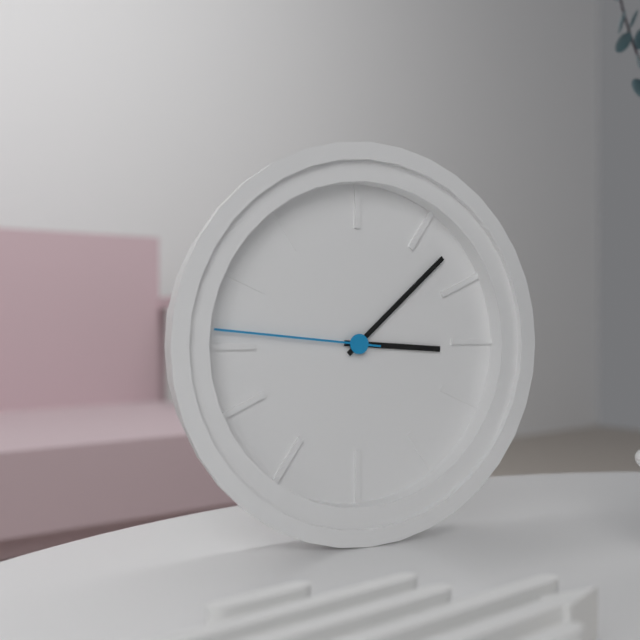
**3:08:46**
